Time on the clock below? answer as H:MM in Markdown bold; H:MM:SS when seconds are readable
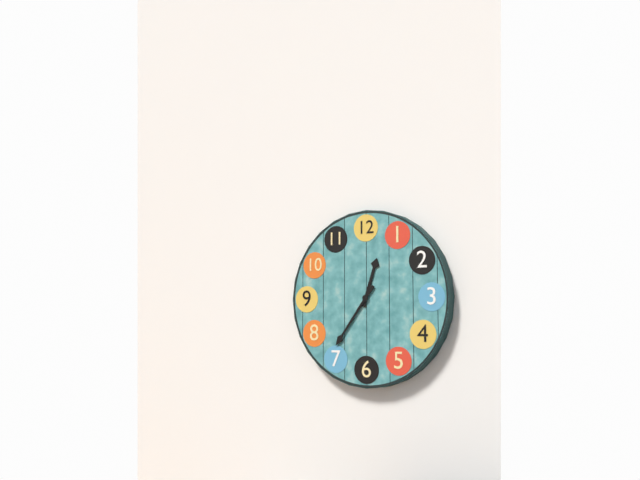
**12:36**
